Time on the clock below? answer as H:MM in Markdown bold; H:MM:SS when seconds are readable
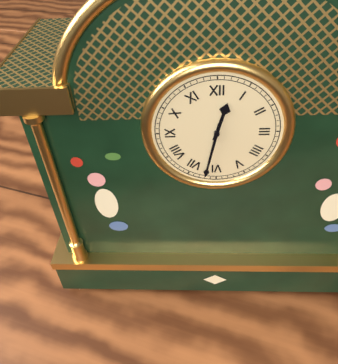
**12:32**
